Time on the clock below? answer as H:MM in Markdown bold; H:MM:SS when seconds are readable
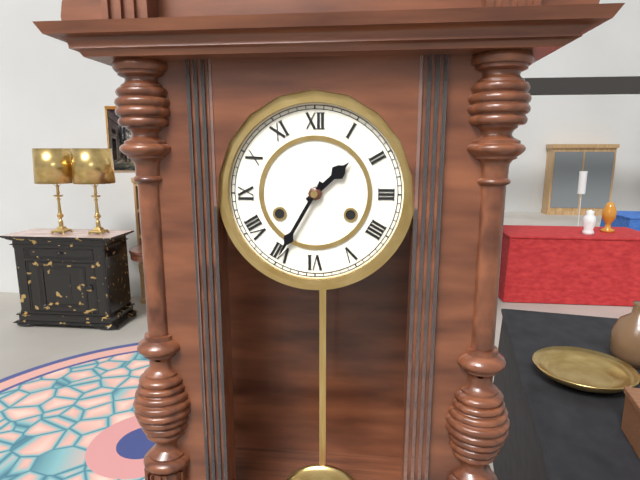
**1:35**
